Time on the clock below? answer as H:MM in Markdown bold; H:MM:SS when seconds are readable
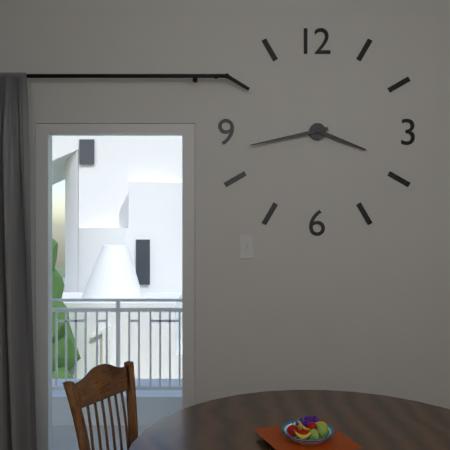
**3:43**
